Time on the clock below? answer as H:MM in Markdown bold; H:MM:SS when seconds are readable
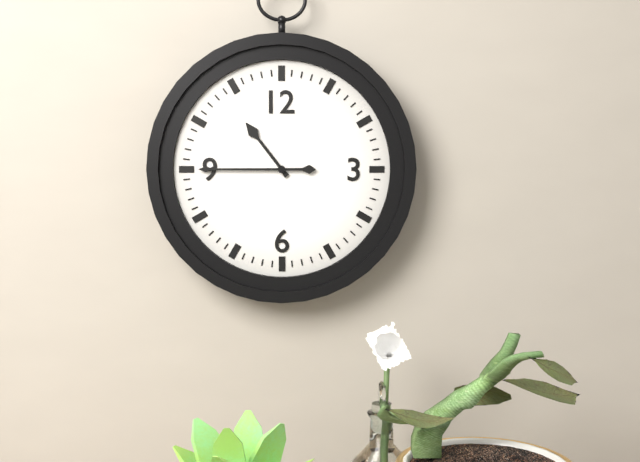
**10:45**
